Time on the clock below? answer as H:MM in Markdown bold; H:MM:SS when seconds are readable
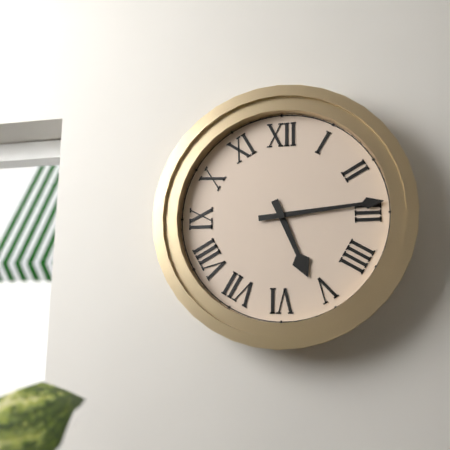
**5:14**
